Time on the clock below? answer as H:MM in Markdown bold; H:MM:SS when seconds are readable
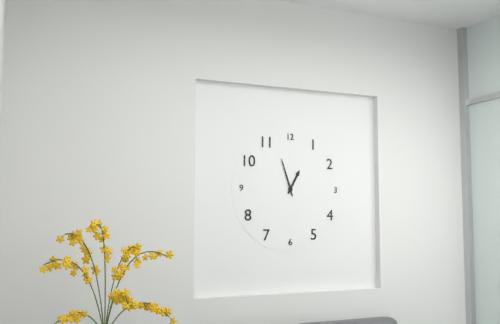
**12:57**
